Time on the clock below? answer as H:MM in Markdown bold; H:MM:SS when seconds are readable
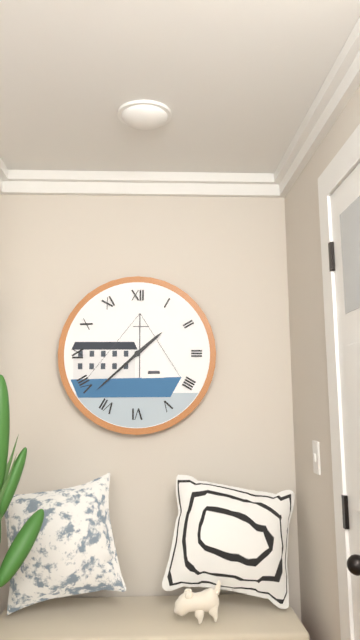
**1:38**
